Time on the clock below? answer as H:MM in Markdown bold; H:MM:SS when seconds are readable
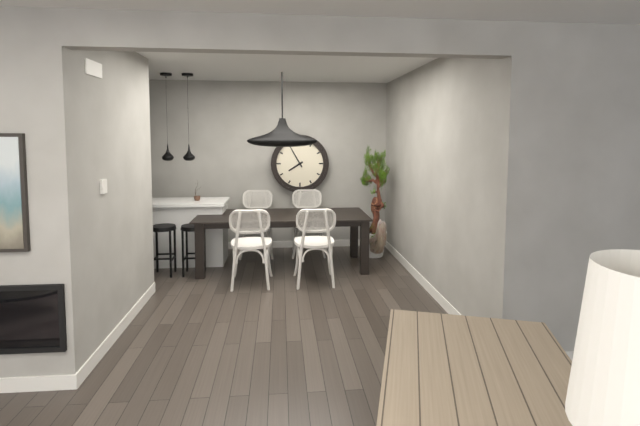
**7:55**
